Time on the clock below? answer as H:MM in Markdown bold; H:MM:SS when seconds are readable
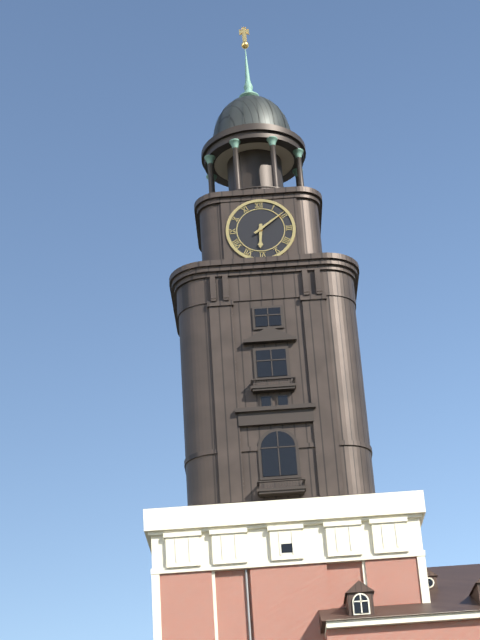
**6:09**
